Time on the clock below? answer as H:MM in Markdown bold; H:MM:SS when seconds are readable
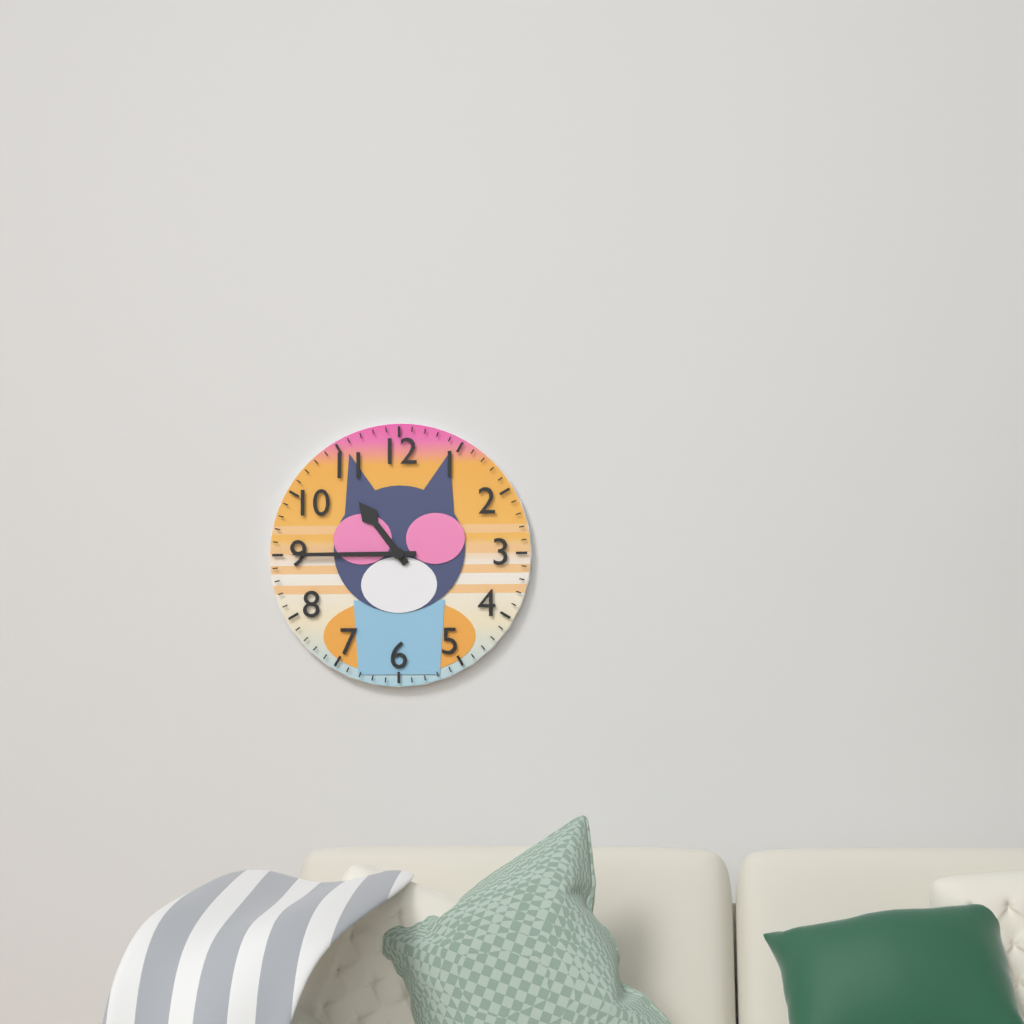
**10:45**
